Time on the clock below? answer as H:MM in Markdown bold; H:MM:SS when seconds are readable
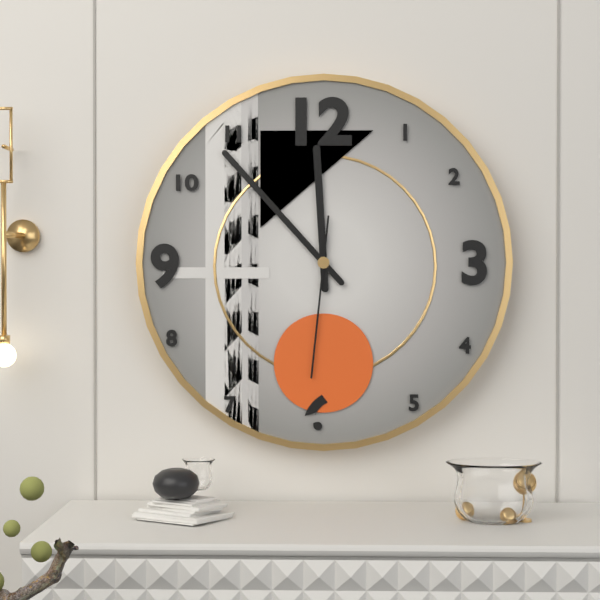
**11:53:31**
